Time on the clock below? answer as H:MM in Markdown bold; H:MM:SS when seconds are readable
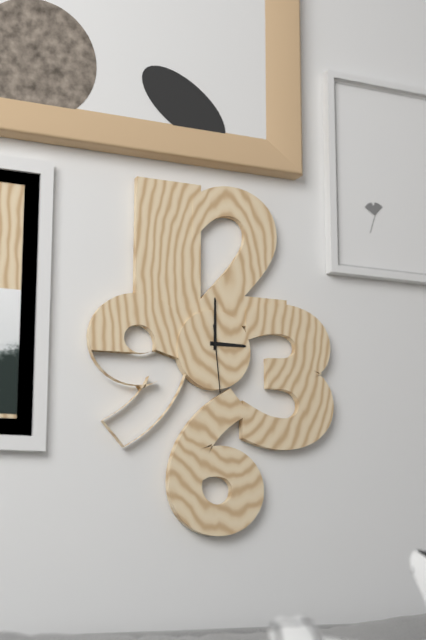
**3:00:29**
